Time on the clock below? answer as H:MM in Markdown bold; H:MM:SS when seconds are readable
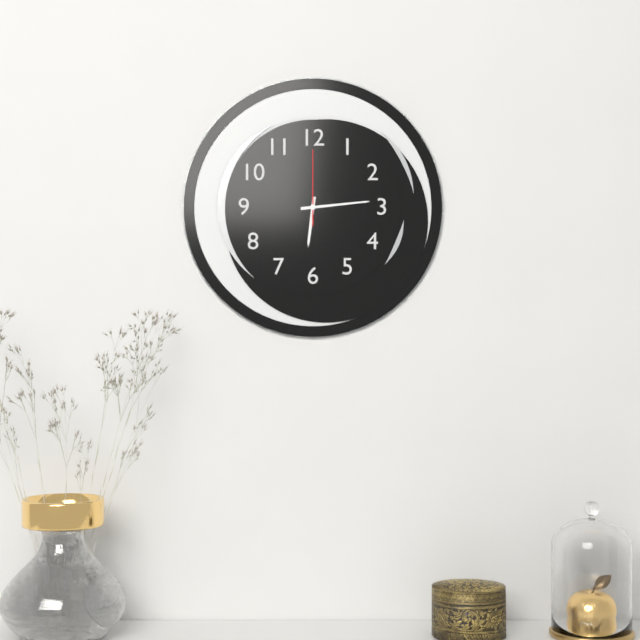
**6:14:00**
